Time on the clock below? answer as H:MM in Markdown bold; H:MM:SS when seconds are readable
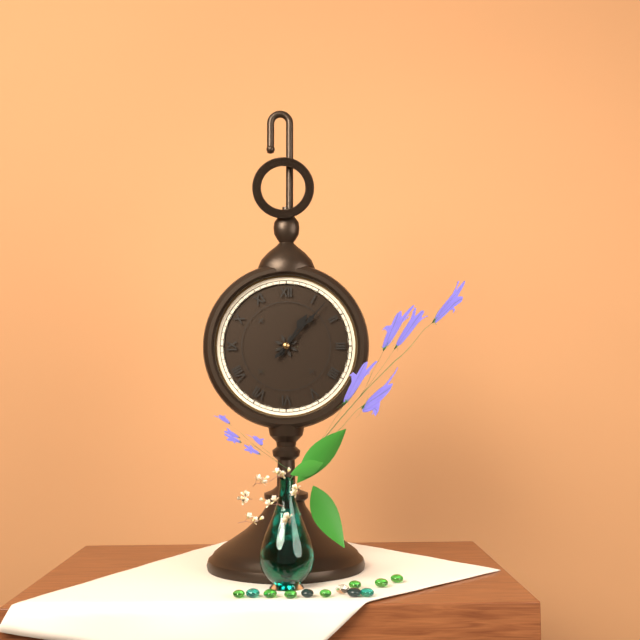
**1:07**
